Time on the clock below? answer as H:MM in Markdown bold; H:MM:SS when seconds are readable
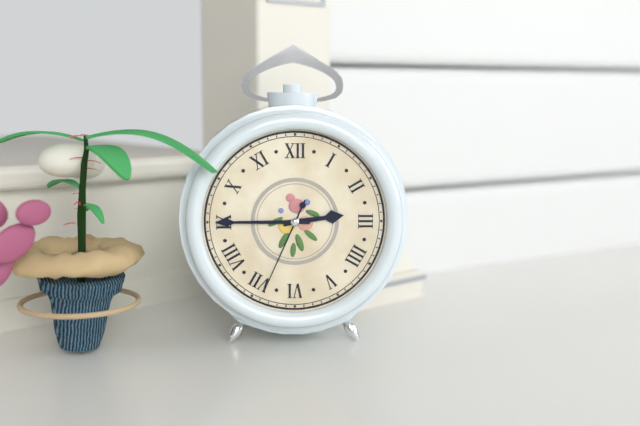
**2:45:34**
